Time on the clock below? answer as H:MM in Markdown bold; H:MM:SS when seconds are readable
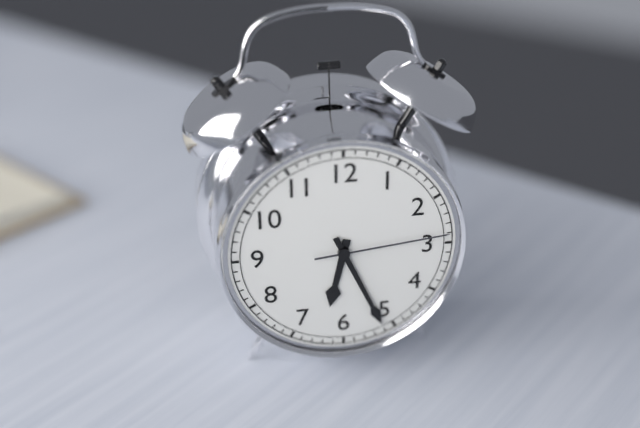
**6:26:14**
